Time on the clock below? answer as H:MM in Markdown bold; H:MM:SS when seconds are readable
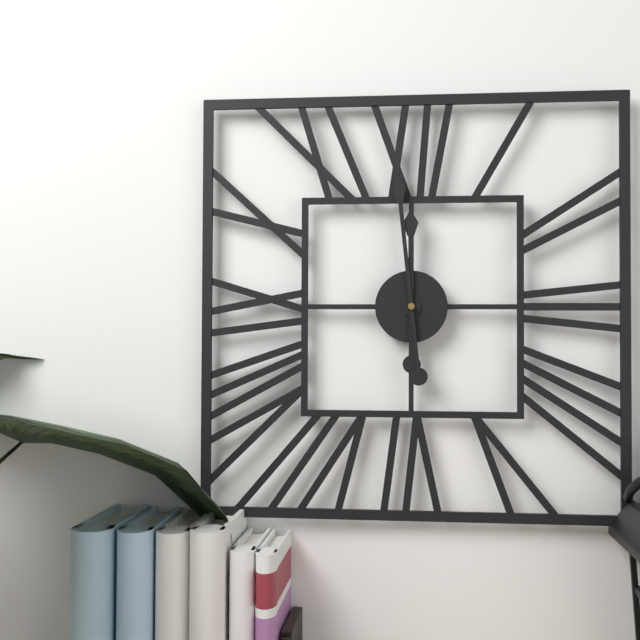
**11:59**
